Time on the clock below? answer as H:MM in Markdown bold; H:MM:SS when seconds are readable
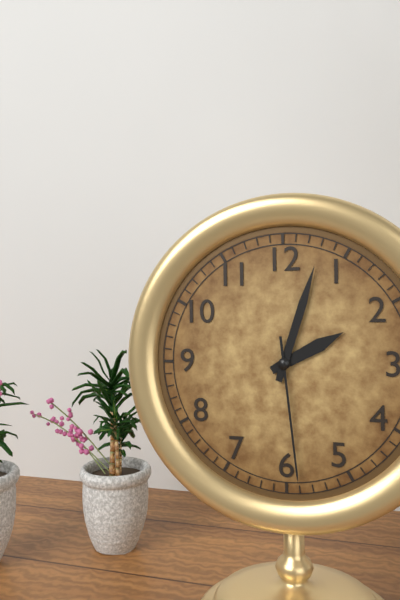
**2:03:29**
